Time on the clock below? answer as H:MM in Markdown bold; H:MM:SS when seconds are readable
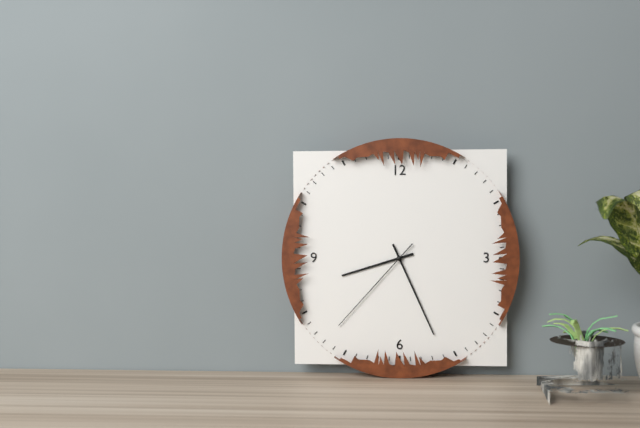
**8:26:37**
